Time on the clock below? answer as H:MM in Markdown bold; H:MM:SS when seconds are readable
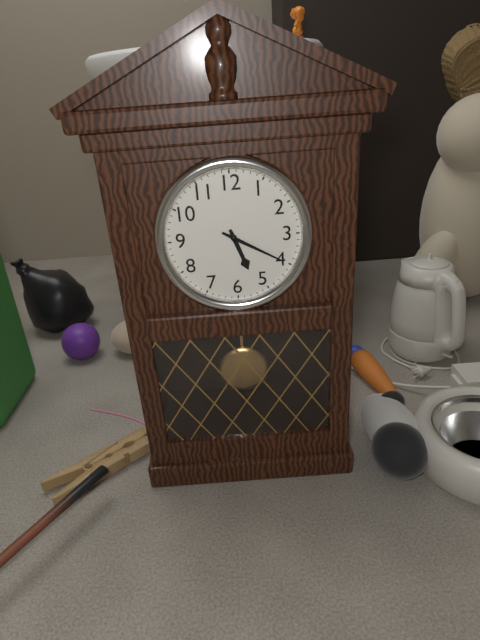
**5:20**
